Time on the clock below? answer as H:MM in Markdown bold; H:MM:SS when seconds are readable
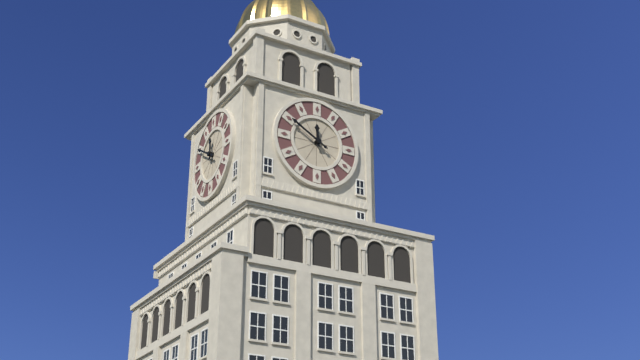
**11:50**
